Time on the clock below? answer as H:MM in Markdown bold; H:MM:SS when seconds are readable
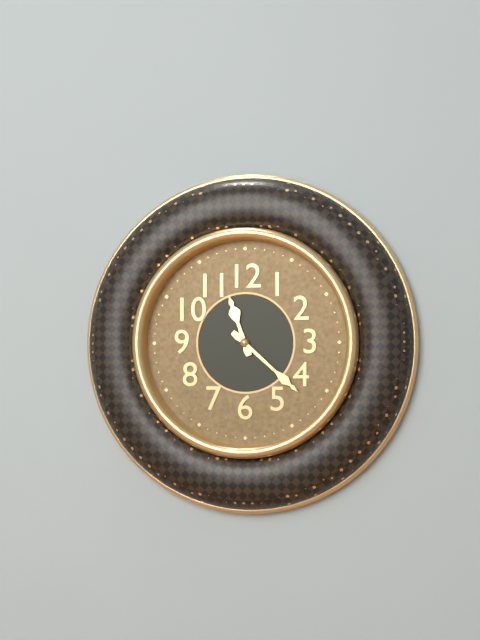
**11:22**
